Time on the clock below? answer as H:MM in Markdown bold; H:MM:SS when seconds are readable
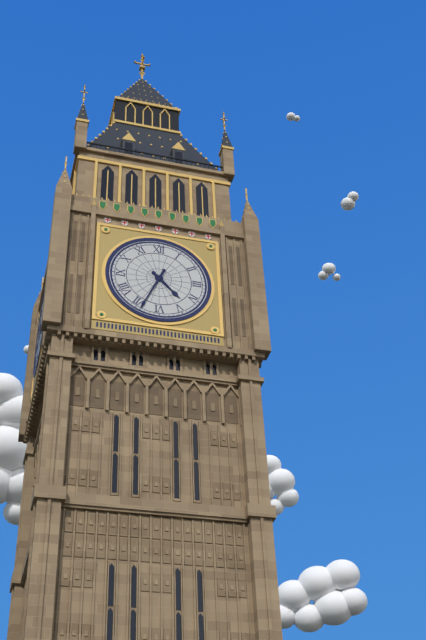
**4:34**
